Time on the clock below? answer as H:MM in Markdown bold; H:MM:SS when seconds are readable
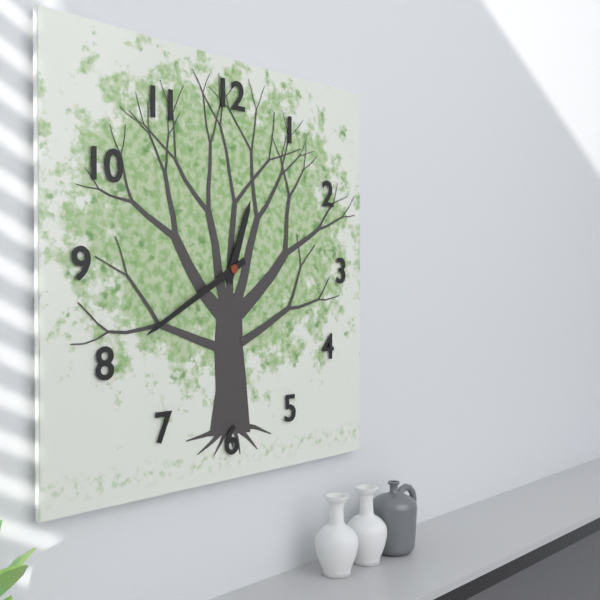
**12:40**
